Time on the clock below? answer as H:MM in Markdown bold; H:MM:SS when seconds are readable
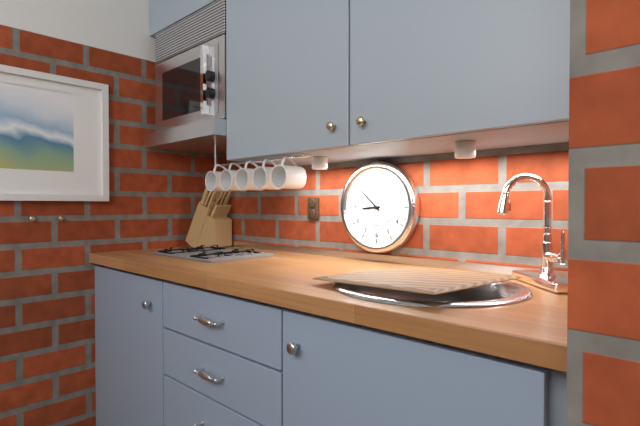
**8:52**
